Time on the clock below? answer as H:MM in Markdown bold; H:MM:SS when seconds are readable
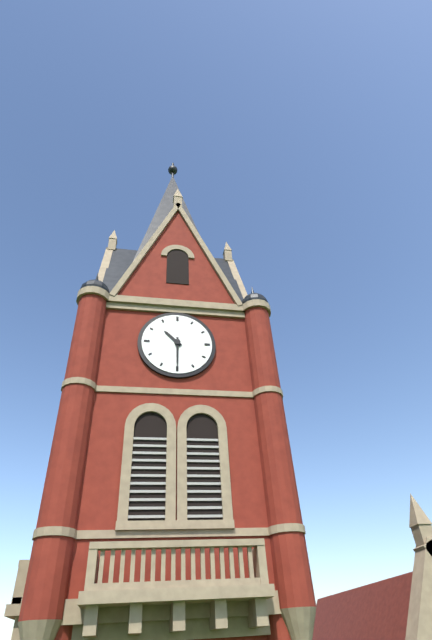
**10:30**
